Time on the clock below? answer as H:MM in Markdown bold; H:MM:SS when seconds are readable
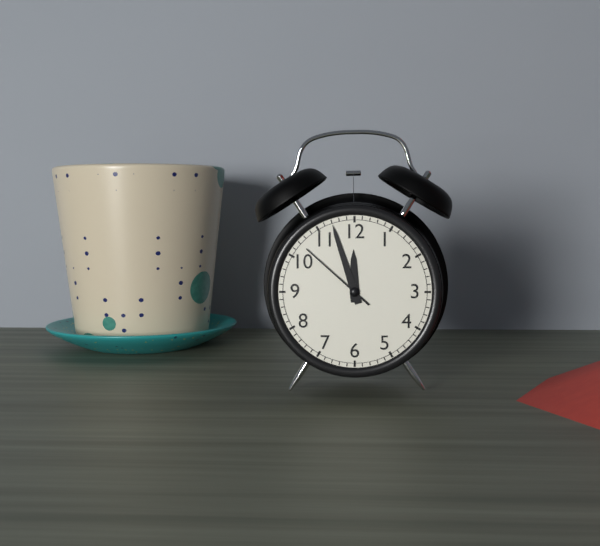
**11:57:52**
